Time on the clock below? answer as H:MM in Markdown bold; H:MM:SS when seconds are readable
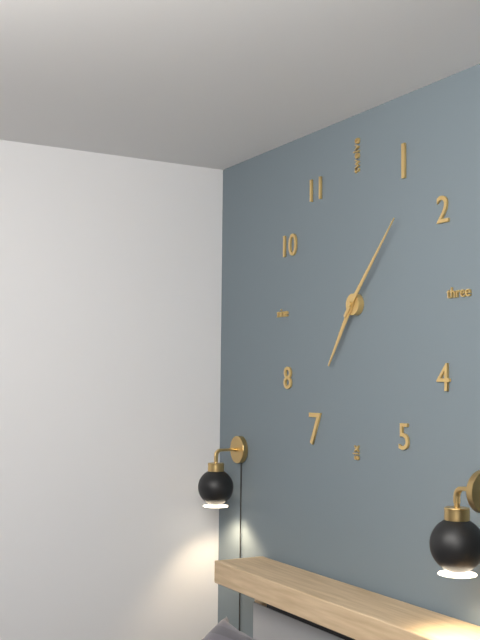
**7:07**
